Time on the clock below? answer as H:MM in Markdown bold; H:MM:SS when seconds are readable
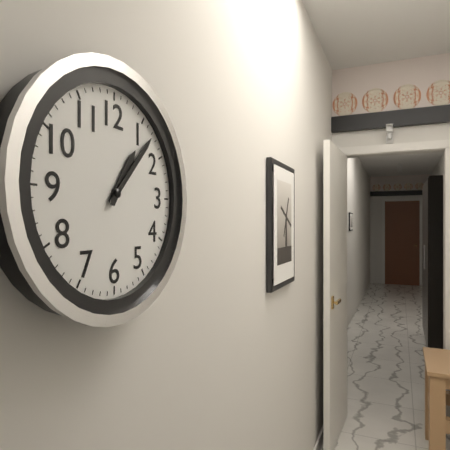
**1:07**
